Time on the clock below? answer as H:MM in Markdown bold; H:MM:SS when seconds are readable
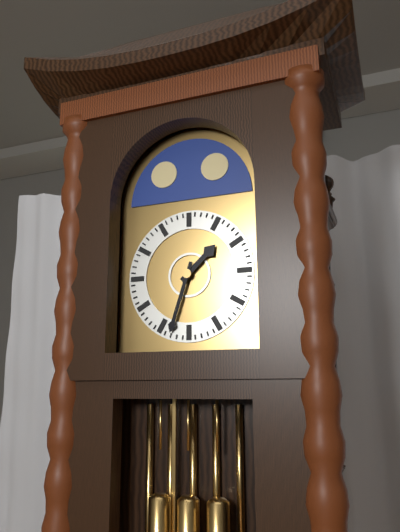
**1:33**
